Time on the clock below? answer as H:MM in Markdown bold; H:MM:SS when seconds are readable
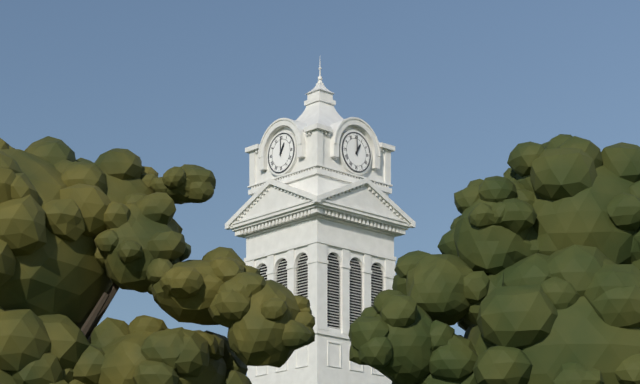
**1:00**
